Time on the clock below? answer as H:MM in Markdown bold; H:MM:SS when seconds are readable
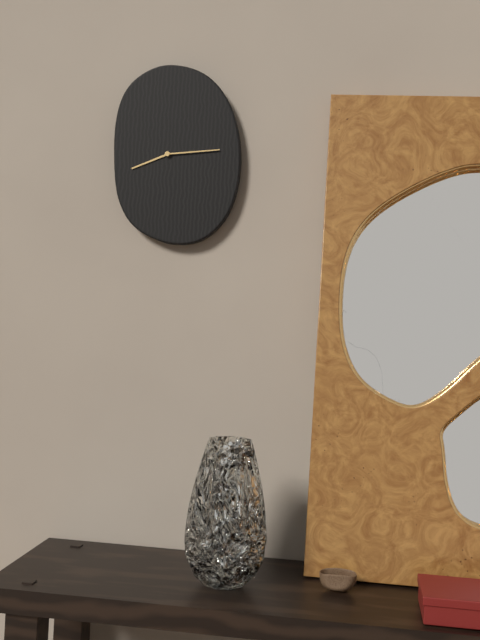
**8:14**
